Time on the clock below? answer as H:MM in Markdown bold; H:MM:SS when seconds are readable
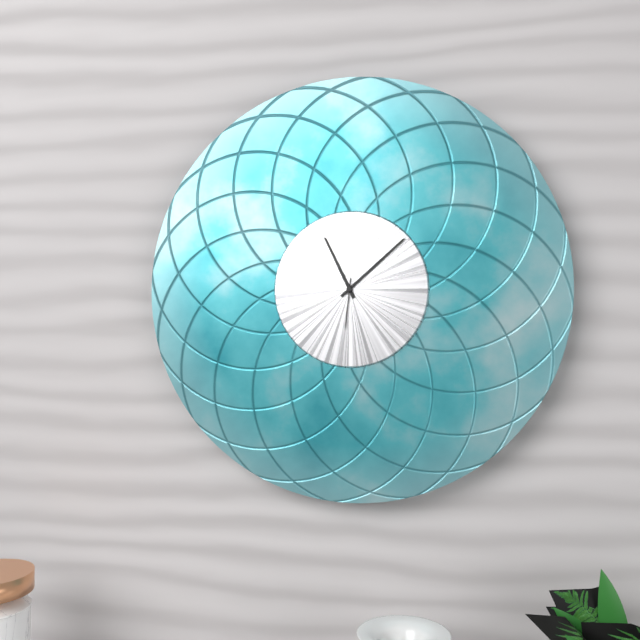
**11:08**
